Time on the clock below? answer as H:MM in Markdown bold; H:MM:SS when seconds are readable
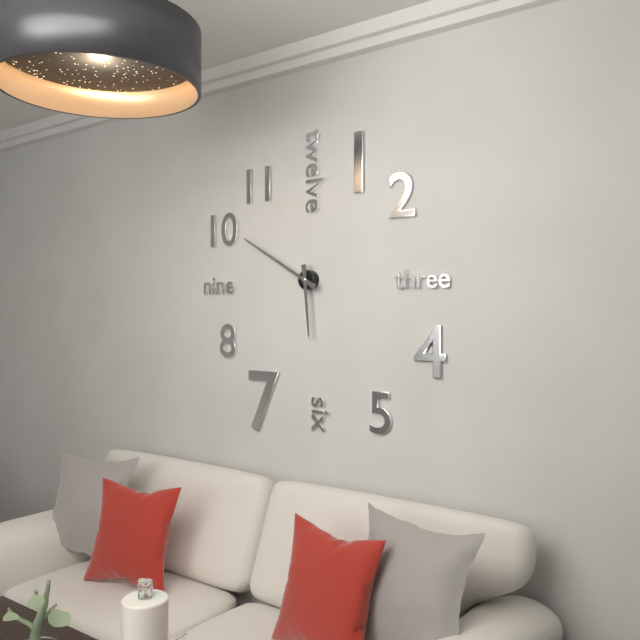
**5:50**
